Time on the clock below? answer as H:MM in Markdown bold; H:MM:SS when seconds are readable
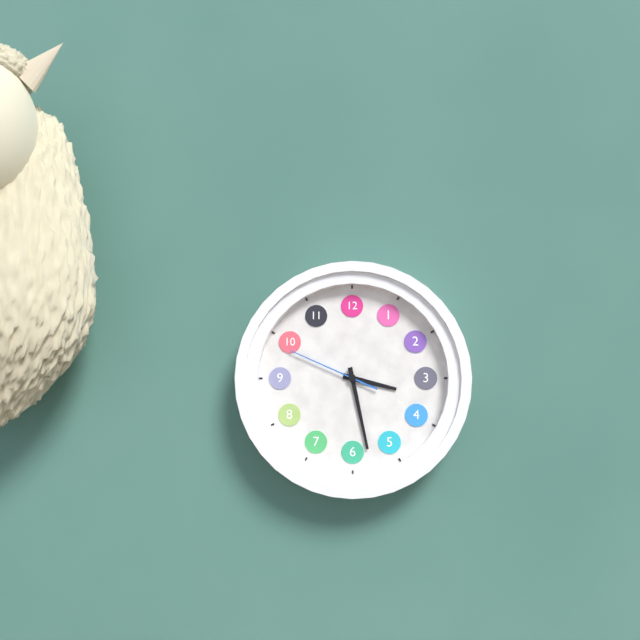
**3:28:49**
